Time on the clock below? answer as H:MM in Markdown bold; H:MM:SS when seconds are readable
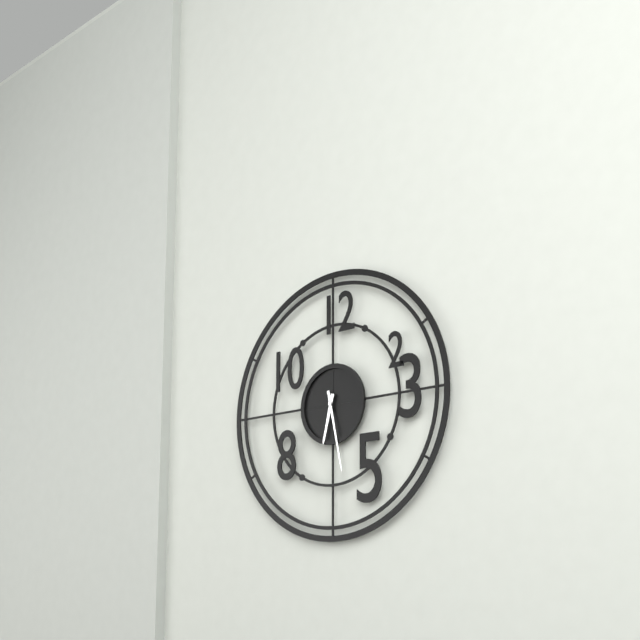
**6:28**
